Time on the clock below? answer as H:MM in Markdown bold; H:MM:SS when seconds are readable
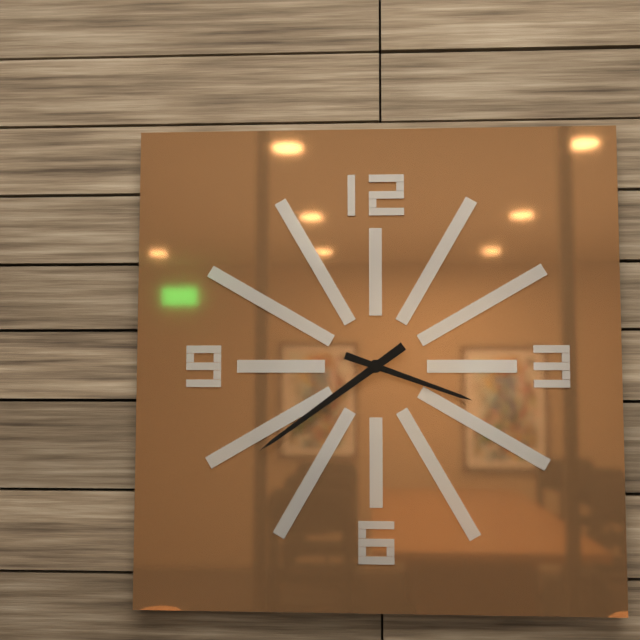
**3:39**
